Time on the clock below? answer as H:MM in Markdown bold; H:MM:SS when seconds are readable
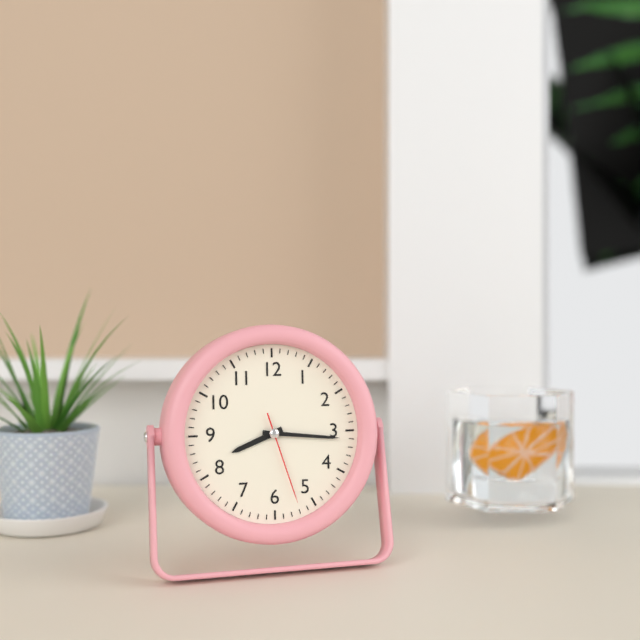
**8:16:27**
